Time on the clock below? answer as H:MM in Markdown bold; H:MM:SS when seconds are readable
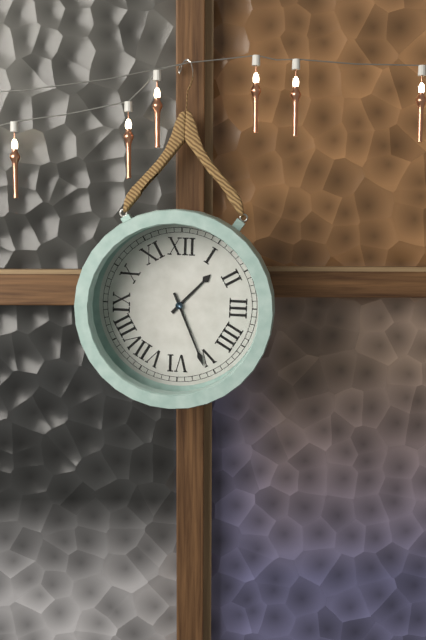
**1:26**
